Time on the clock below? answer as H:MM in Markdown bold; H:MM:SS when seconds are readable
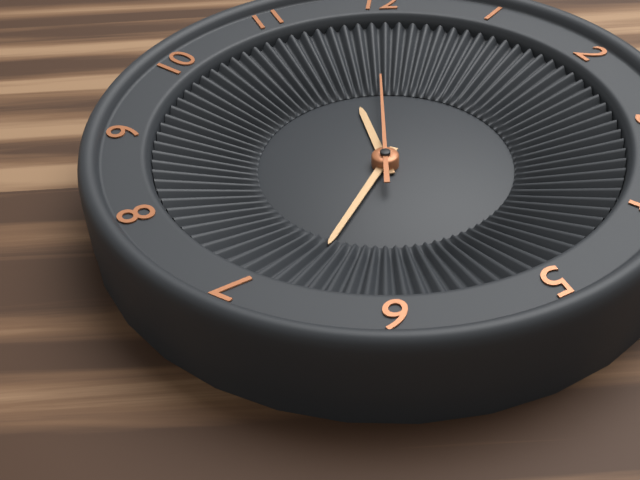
**11:34:00**
